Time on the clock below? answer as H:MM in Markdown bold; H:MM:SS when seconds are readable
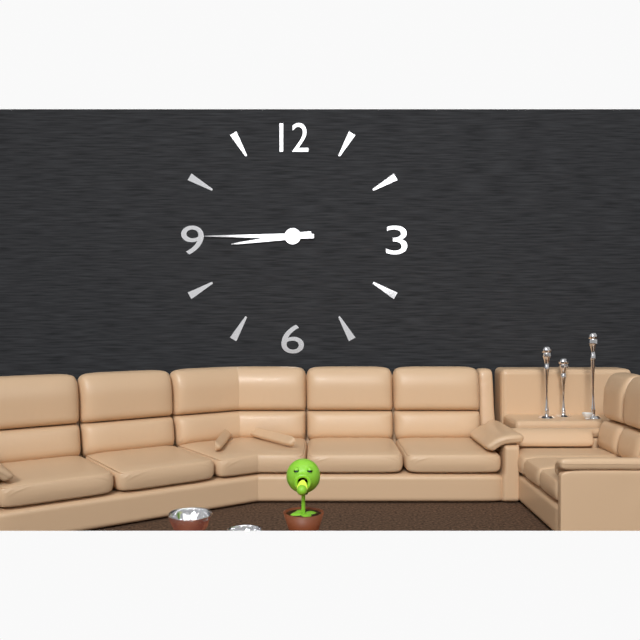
**8:45**
